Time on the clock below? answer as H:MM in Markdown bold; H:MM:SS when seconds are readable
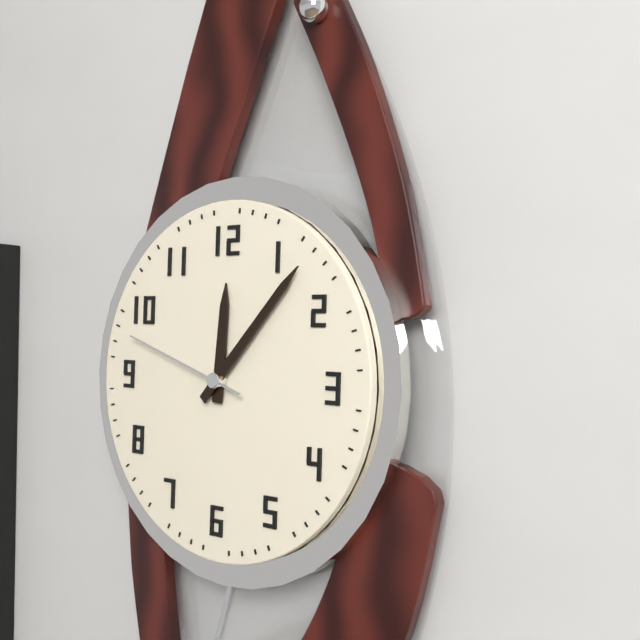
**12:07:48**
